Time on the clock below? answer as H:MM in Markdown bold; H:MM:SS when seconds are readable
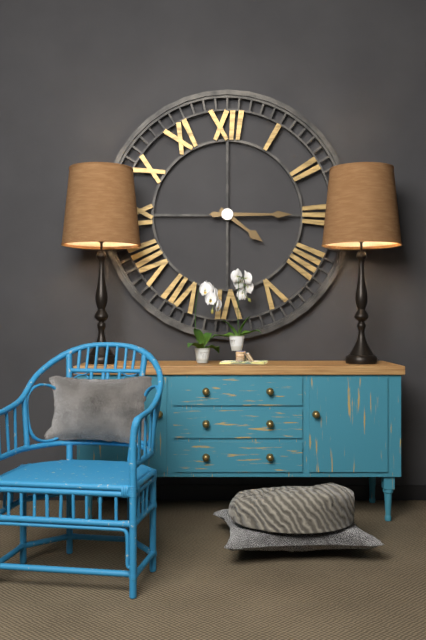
**4:15**
